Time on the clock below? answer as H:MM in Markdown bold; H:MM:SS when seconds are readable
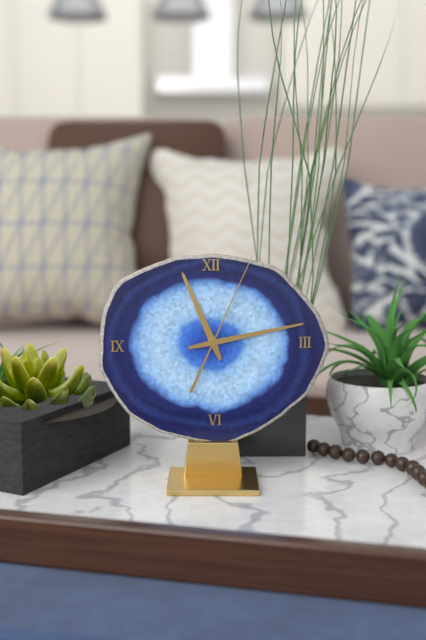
**11:13:04**
